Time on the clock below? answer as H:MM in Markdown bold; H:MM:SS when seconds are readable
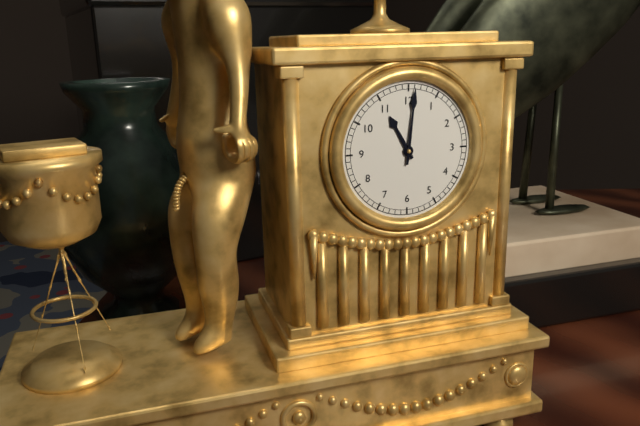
**11:01**
